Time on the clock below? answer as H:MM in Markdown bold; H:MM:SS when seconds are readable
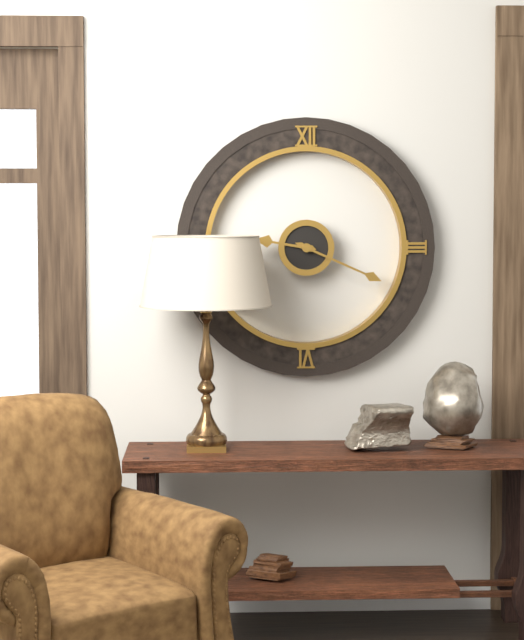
**9:19**
